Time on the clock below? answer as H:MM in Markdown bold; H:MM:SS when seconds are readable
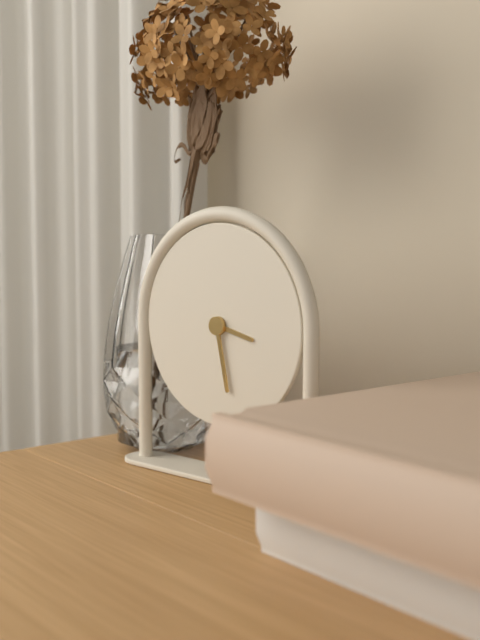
**3:28**
